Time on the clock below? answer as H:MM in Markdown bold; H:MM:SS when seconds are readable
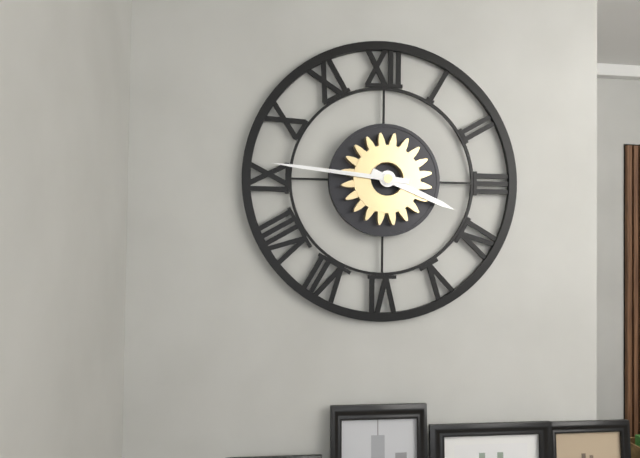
**3:46**
